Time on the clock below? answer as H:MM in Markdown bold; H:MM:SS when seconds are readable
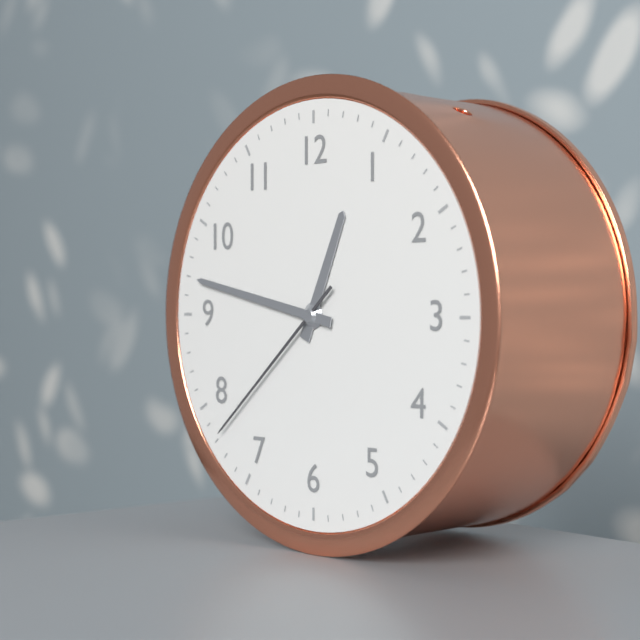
**12:47:38**
